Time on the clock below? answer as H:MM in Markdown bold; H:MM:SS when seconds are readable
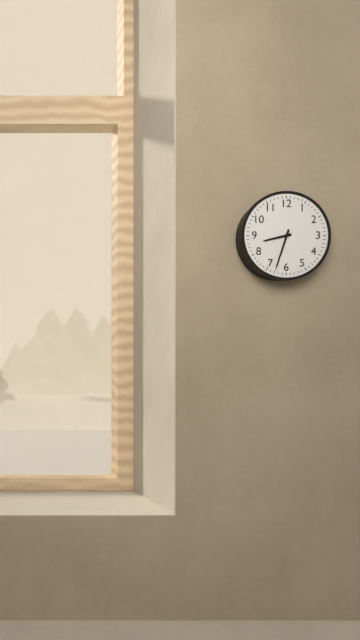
**8:33**
